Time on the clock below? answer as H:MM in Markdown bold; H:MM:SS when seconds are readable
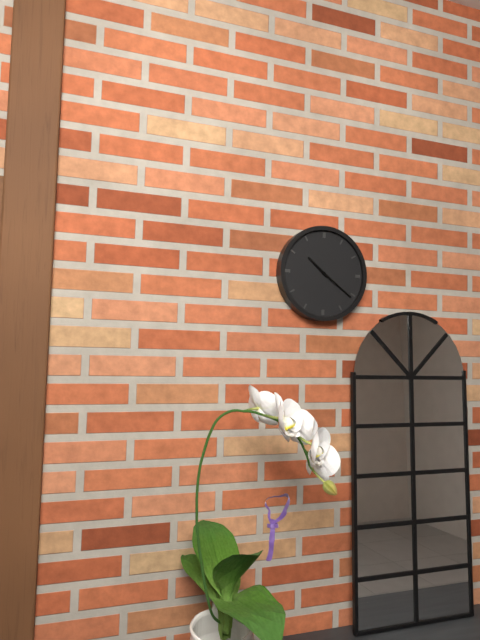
**10:21**
